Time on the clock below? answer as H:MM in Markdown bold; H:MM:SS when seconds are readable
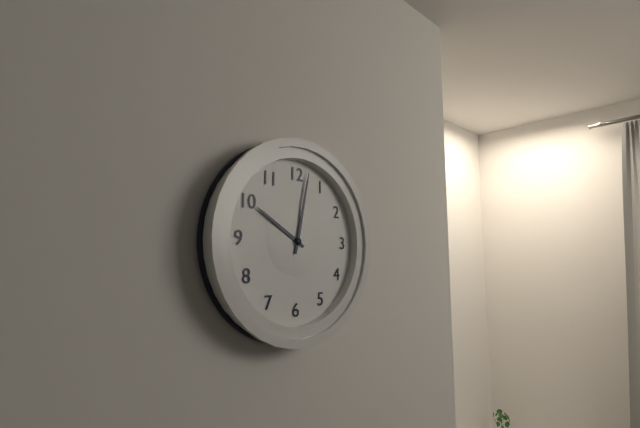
**10:02**
